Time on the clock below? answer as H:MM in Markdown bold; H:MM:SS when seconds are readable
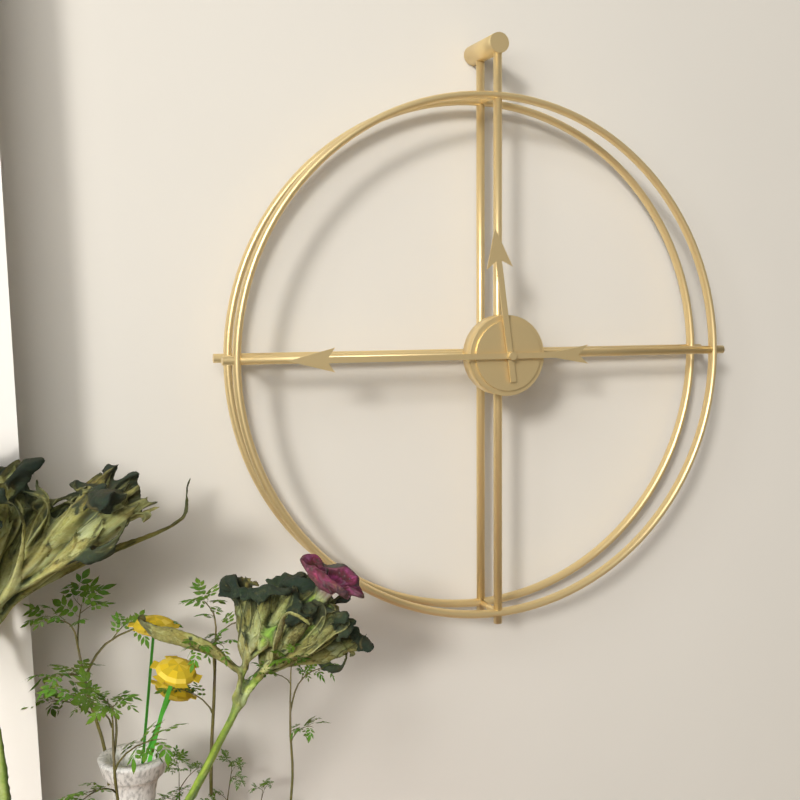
**11:45**
